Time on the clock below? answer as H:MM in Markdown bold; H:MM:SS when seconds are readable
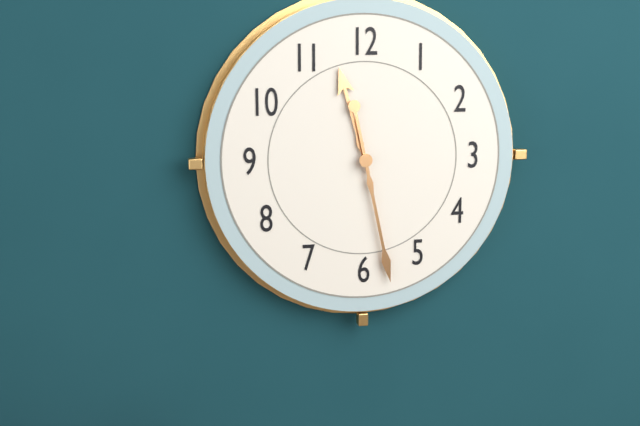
**11:28**
